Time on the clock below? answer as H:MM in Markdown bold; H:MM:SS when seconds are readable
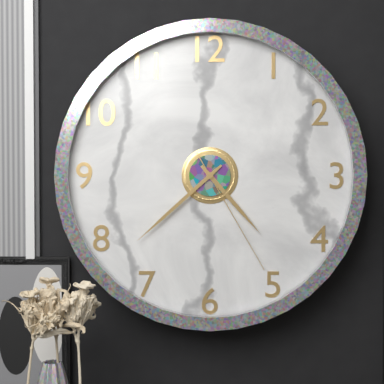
**4:38:25**
